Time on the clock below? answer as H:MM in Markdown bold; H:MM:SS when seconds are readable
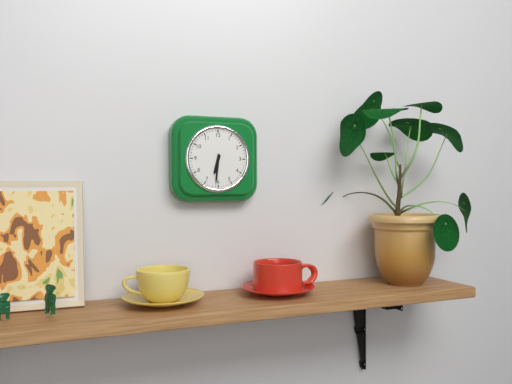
**6:31**
